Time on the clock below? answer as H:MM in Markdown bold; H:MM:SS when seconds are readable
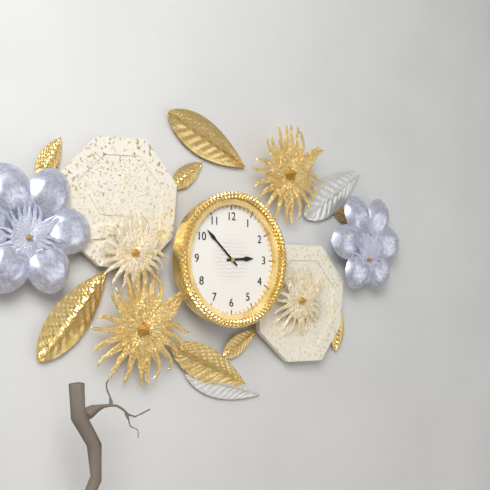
**2:52**
